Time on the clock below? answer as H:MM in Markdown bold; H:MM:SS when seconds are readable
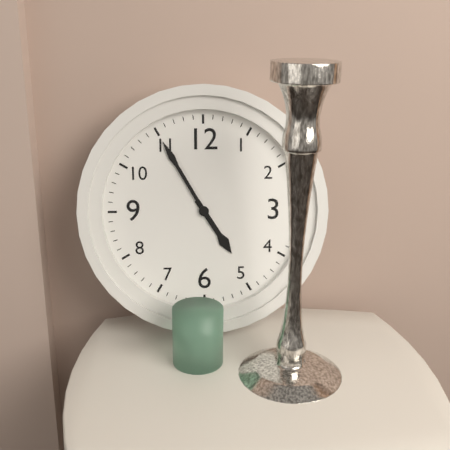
**4:55**
